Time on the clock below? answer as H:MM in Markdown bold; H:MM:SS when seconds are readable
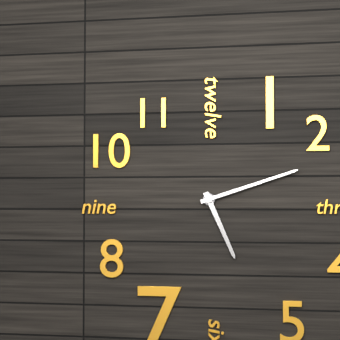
**5:12**
